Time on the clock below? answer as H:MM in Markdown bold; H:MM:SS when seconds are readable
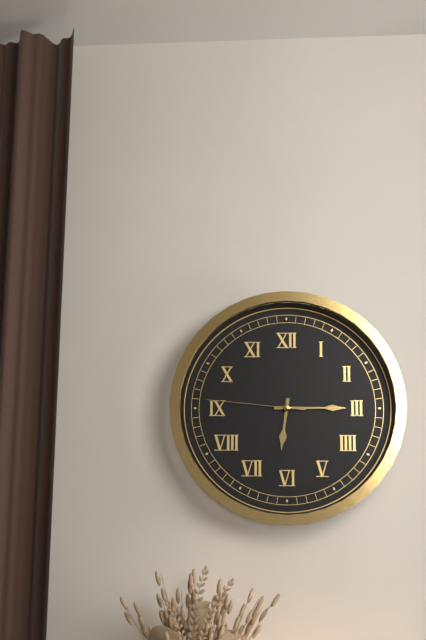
**6:15:46**
